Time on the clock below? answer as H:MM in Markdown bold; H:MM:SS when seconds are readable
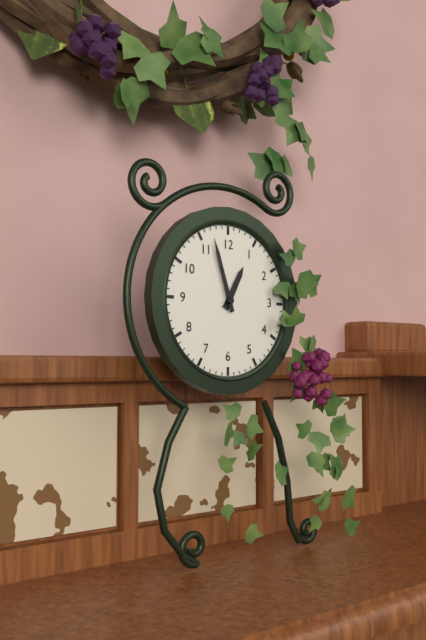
**12:57**
